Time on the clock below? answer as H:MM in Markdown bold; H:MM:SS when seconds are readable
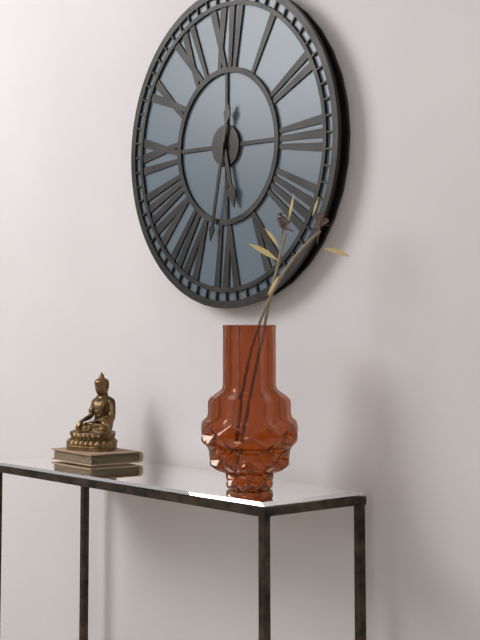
**5:32**
